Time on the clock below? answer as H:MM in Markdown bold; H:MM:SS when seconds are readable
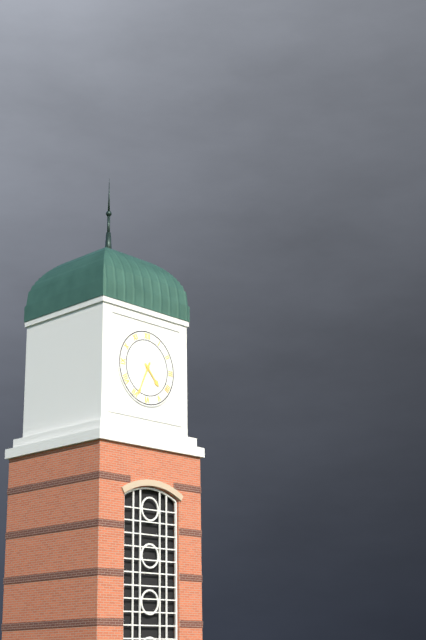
**4:34**
